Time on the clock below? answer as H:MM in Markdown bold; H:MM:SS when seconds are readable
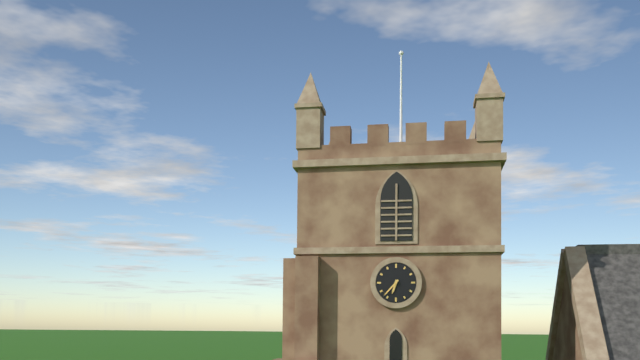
**6:37**
